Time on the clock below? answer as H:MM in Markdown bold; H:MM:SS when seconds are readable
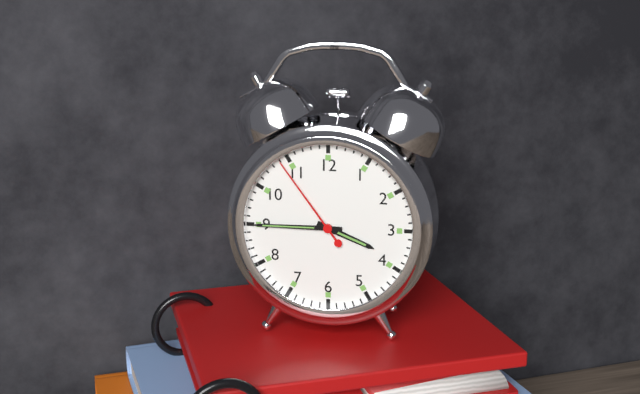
**3:45:54**
